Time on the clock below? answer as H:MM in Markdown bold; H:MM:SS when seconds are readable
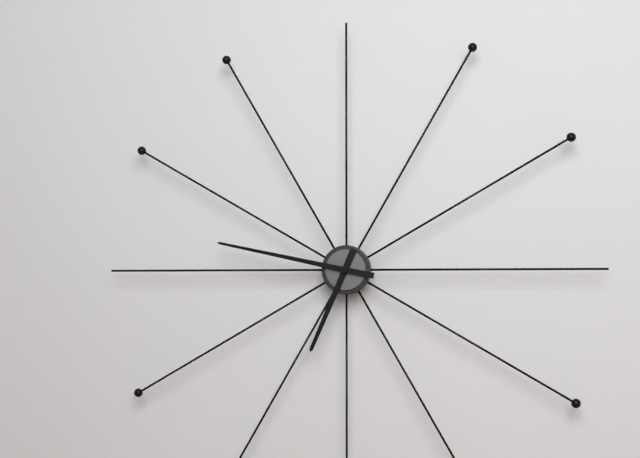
**6:47**
